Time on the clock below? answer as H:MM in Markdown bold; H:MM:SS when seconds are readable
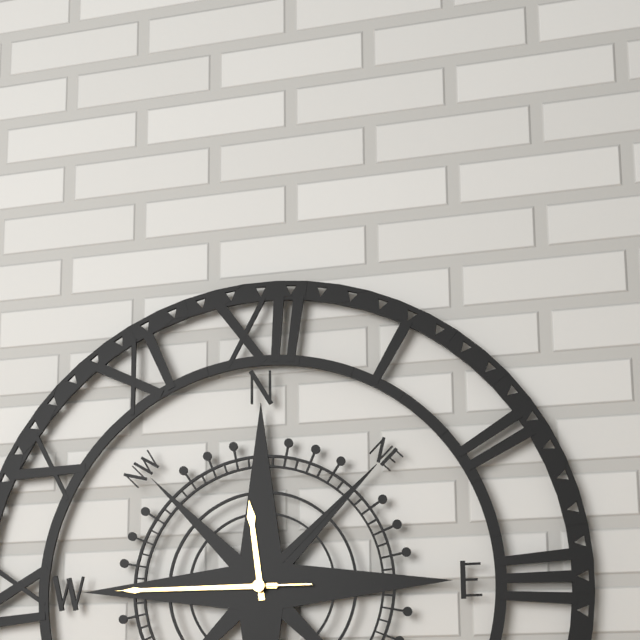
**11:45:45**
